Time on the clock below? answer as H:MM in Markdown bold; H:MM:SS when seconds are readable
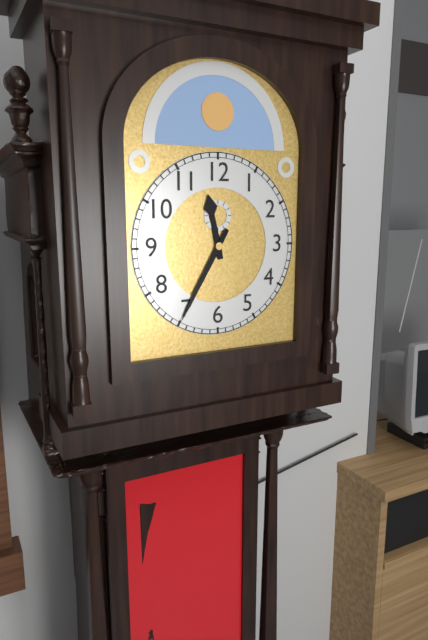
**11:35**
